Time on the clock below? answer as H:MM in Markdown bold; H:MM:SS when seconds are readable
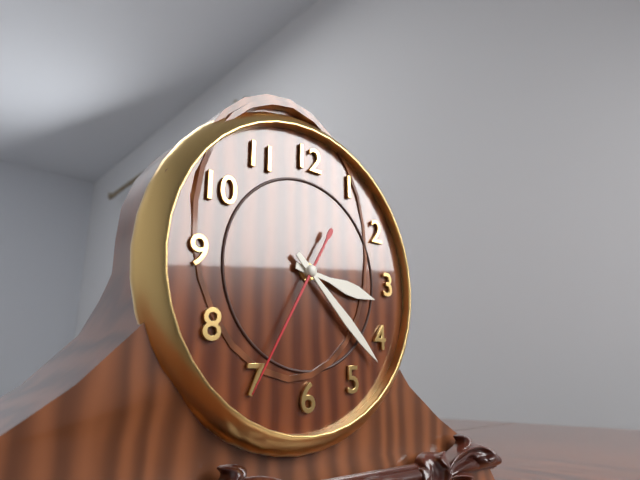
**3:22:35**
